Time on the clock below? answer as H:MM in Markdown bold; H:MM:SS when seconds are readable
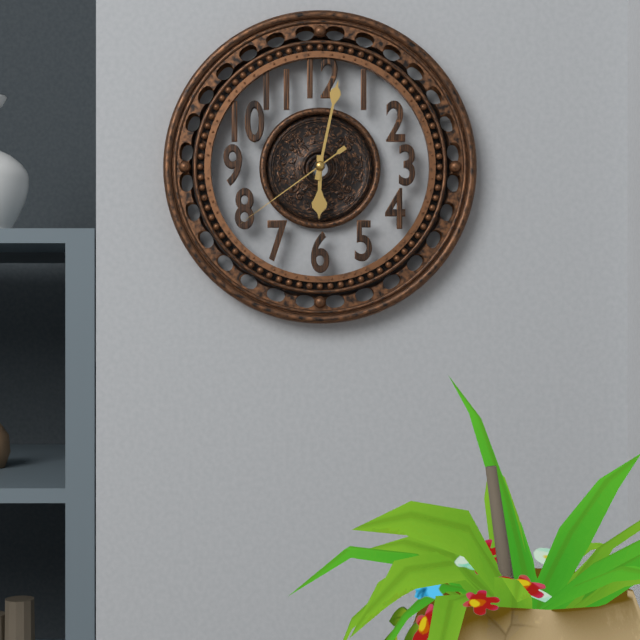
**6:02:39**
